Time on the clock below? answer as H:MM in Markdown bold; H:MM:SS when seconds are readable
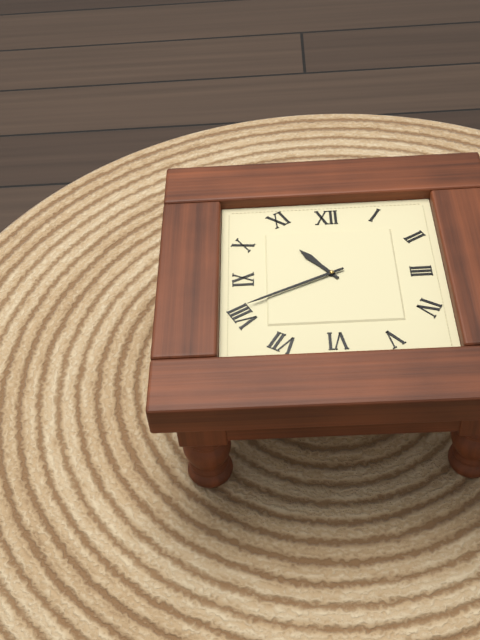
**10:41**
